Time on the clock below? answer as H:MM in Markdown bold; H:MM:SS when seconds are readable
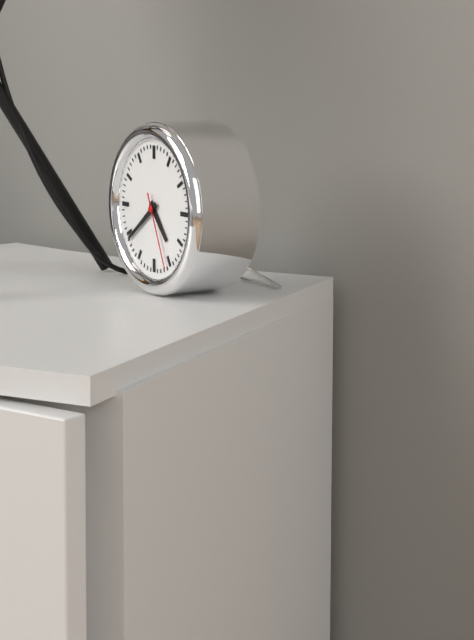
**4:39:26**
